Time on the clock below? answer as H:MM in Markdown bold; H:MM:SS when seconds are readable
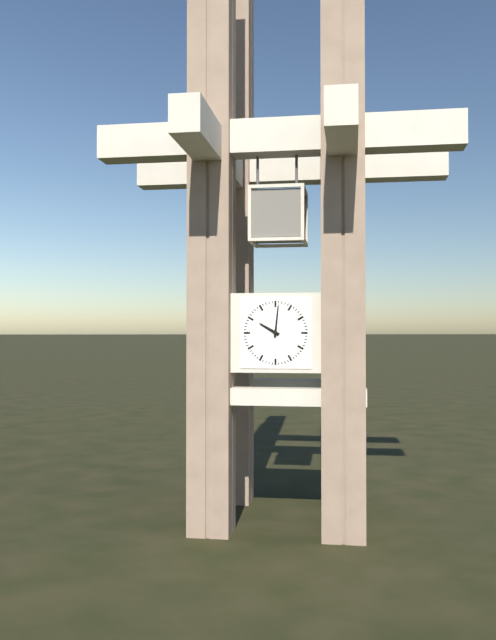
**10:01**
